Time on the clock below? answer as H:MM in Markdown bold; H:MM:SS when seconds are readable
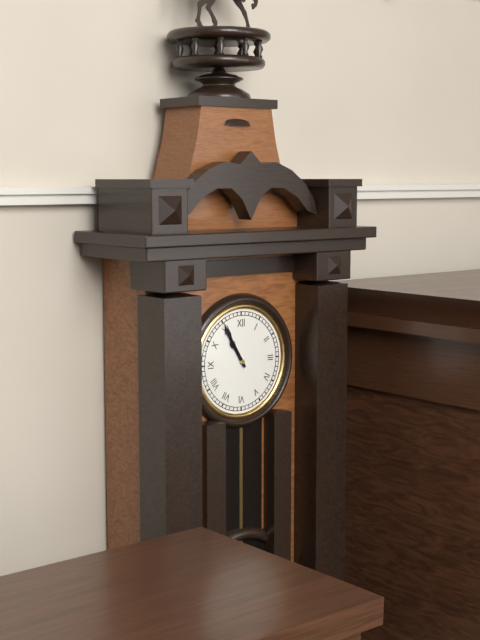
**10:55**
